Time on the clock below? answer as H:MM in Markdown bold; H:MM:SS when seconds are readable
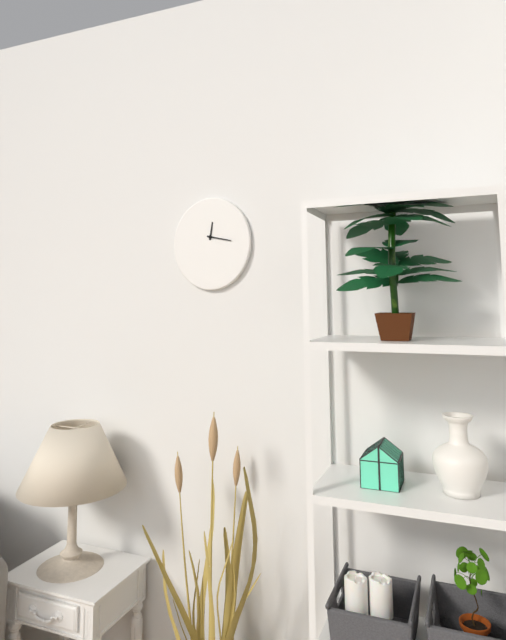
**12:17**
